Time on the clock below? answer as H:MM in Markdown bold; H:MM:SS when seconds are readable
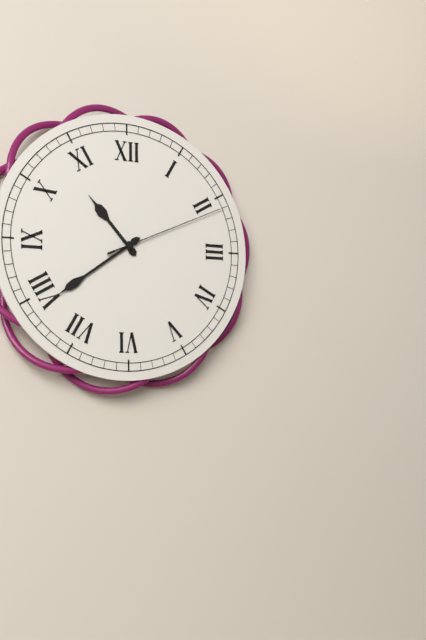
**10:39:11**
